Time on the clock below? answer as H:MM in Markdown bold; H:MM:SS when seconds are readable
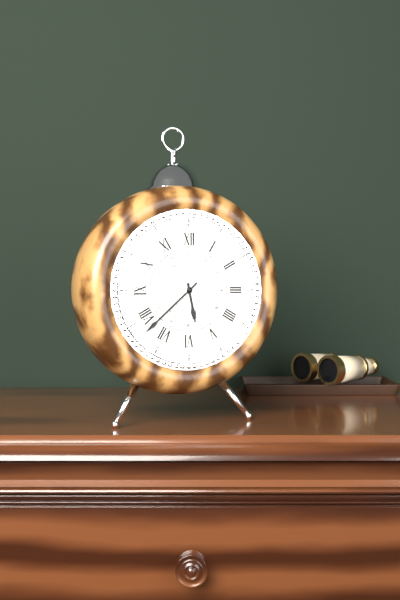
**5:38**
